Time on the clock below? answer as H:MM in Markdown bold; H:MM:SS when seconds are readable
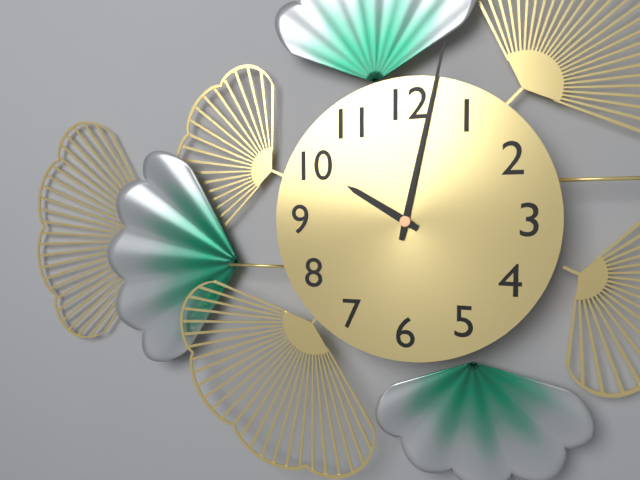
**10:02**
